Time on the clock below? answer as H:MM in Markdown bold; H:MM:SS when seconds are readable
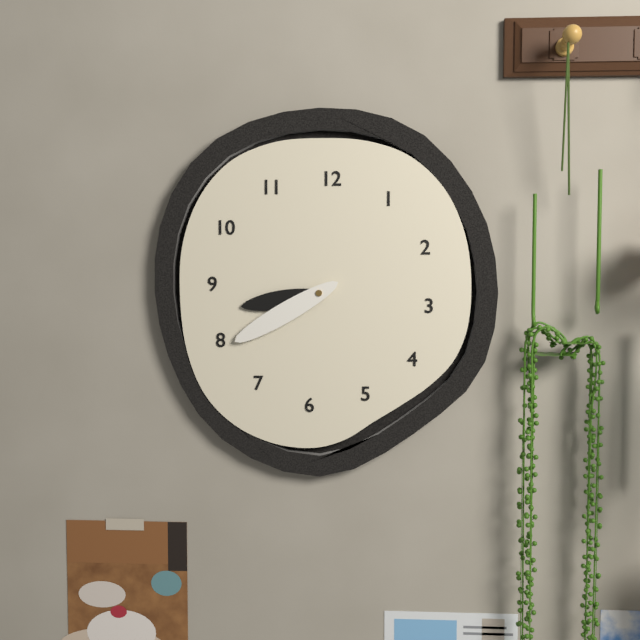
**8:40**
